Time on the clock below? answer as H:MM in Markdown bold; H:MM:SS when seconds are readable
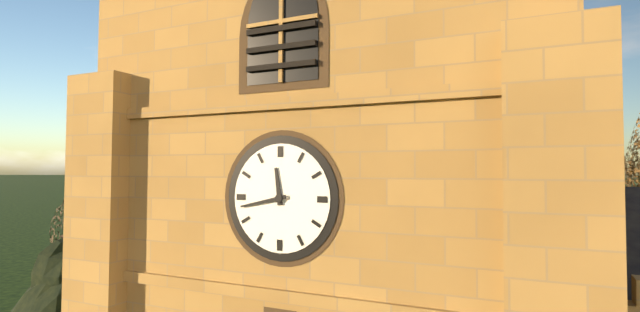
**11:43**
